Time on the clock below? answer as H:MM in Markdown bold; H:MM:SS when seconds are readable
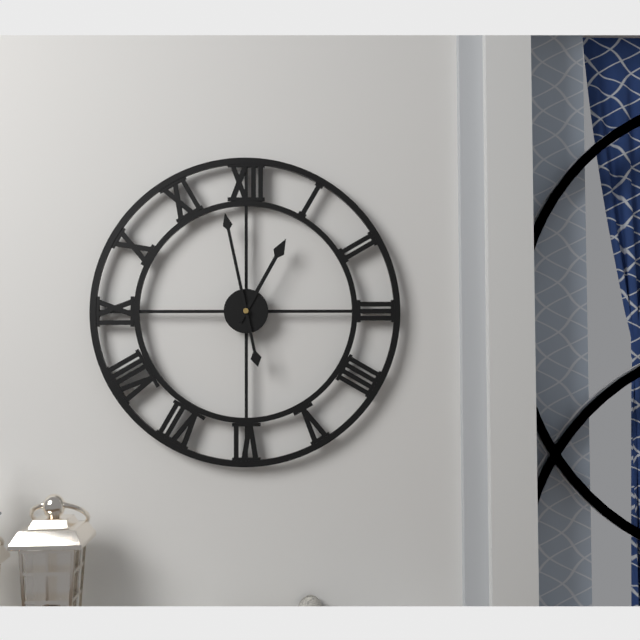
**12:58**
